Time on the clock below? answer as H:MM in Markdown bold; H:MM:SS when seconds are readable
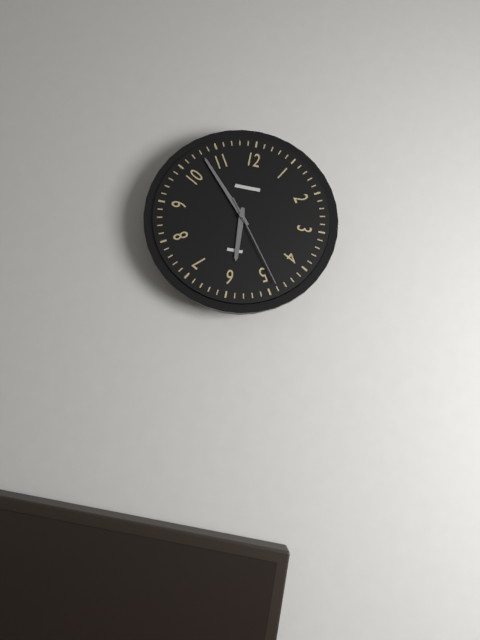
**5:53:24**
